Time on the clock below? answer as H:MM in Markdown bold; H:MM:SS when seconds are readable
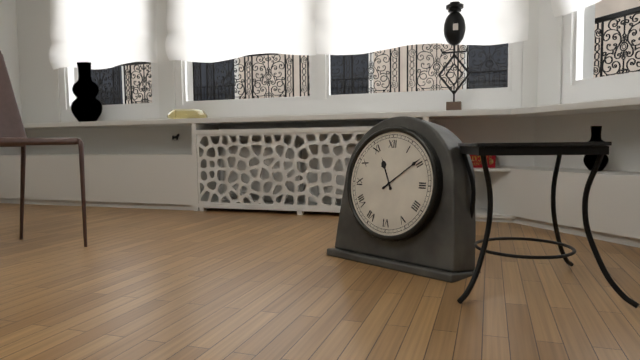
**11:09**
